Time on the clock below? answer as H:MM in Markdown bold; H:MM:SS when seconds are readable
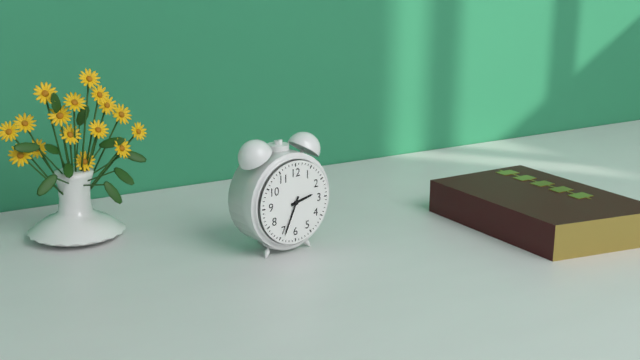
**2:34**
